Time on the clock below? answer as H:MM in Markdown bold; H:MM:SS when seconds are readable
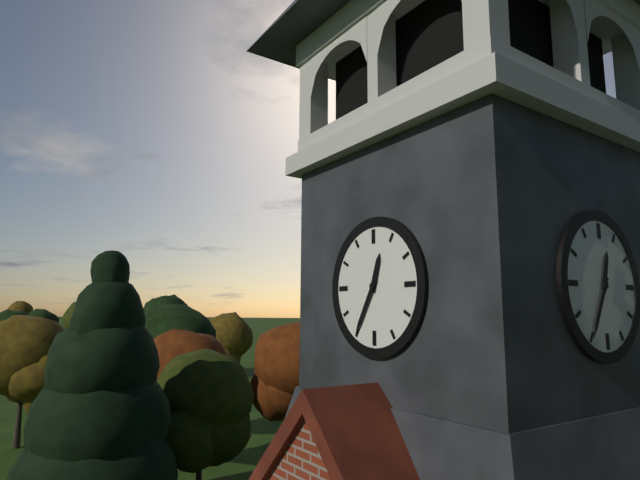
**12:35**
